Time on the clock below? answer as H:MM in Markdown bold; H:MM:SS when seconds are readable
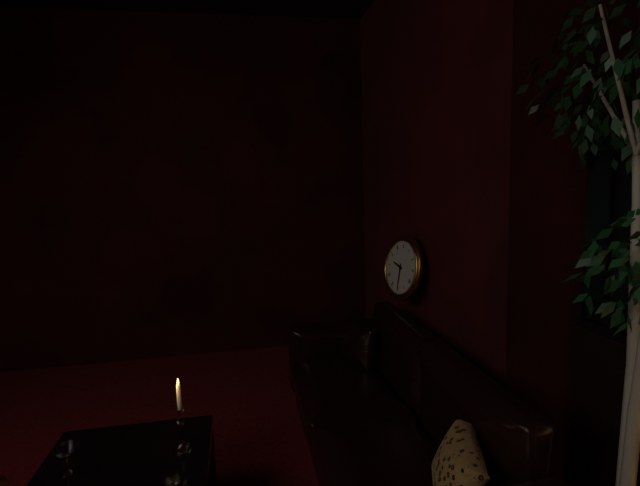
**9:30**
